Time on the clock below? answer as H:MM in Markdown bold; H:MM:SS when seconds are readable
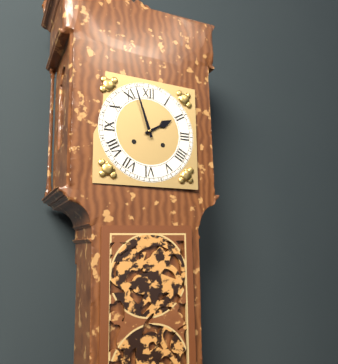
**1:57**
